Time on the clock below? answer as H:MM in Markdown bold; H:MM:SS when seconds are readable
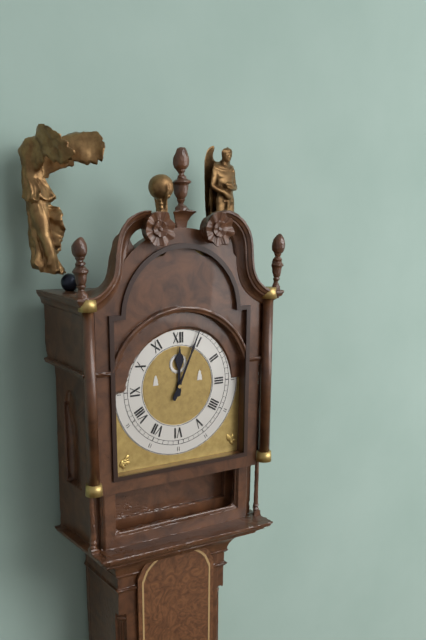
**12:04**
